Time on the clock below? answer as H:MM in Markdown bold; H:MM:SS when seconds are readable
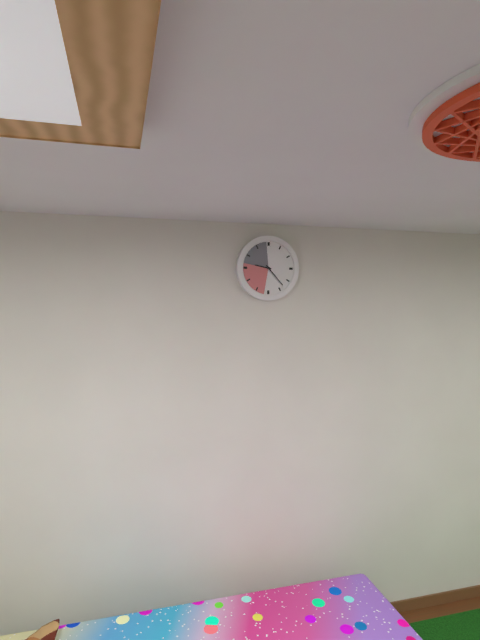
**9:23**
